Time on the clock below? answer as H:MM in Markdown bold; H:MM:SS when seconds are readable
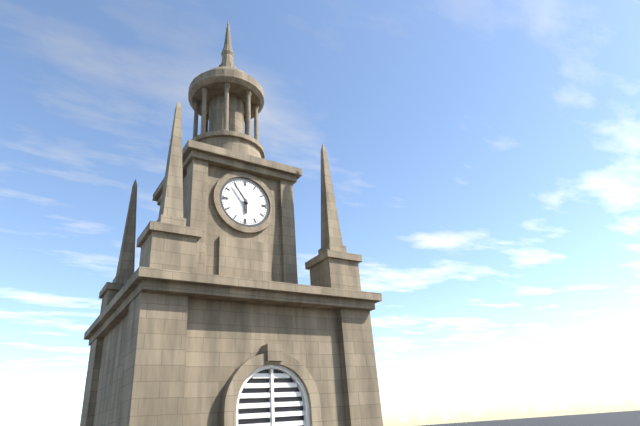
**5:54**
